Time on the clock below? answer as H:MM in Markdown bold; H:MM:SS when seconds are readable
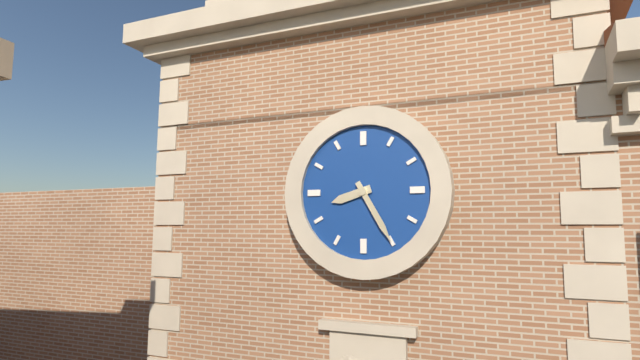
**8:25**
